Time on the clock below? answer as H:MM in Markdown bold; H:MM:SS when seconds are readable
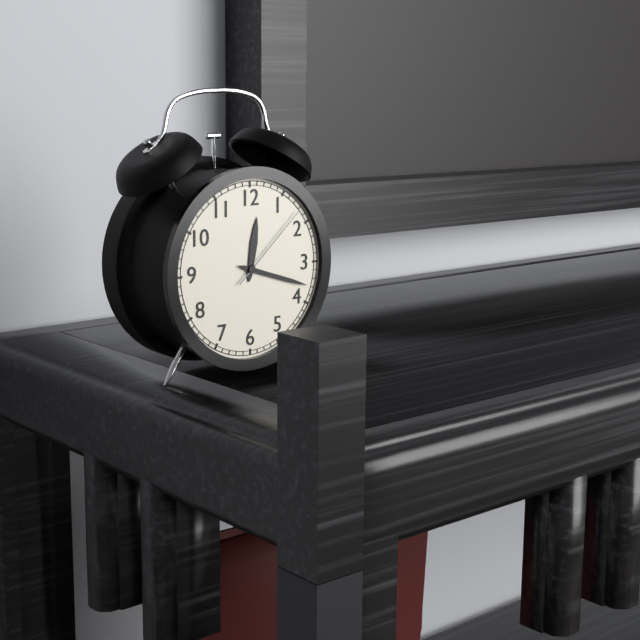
**12:18:08**
